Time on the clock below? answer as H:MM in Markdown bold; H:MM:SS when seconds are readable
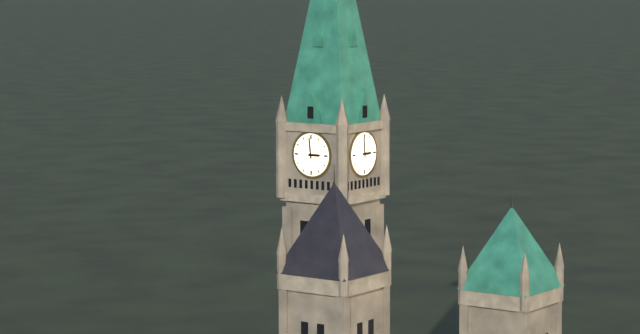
**2:59**
